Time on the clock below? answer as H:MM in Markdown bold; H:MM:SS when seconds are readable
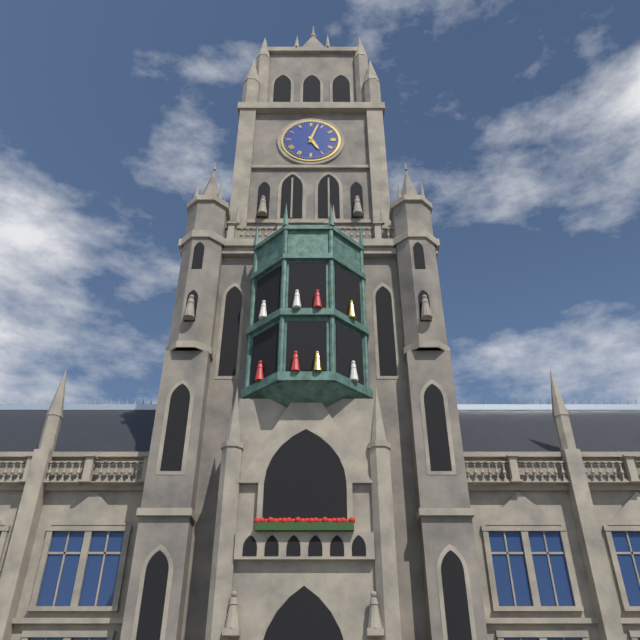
**5:03**
